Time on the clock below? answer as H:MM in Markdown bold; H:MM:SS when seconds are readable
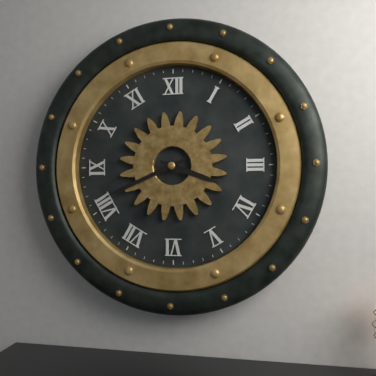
**3:41**
